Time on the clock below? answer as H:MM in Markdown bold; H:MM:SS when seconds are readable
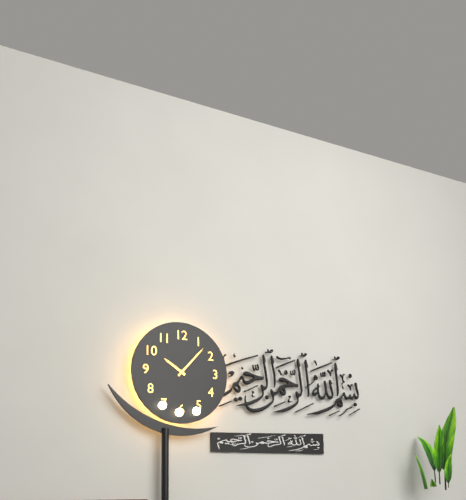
**10:07**
